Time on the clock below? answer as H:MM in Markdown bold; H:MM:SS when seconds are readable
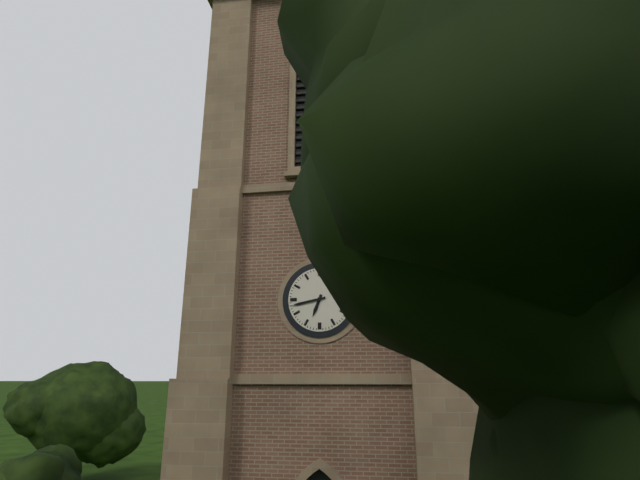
**6:43**
